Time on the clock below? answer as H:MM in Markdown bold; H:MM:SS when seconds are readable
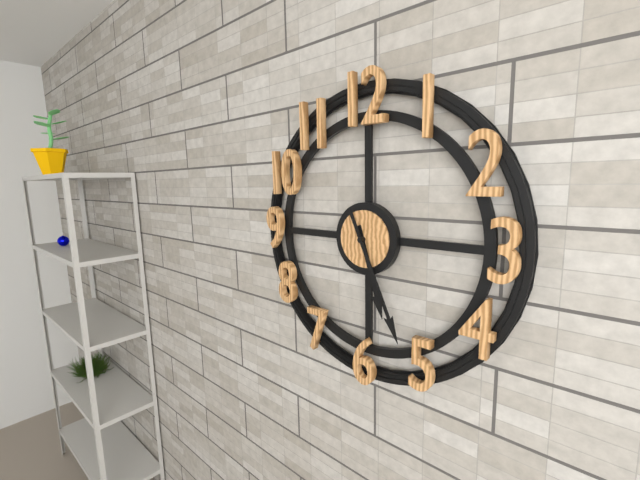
**5:26**
